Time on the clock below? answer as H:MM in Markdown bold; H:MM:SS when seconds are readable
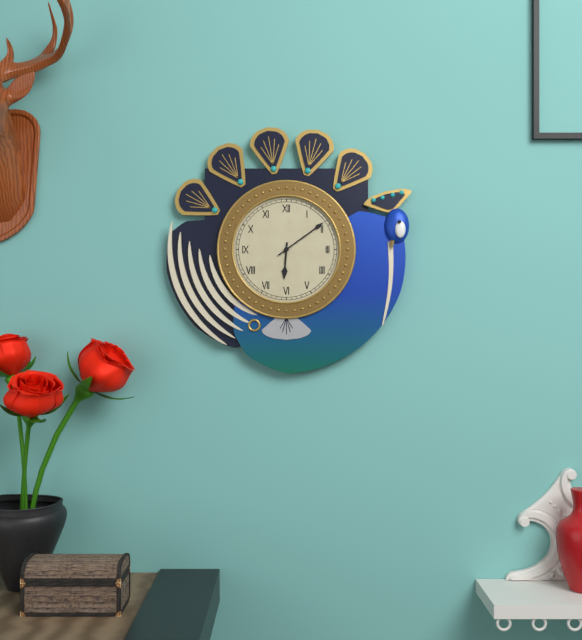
**6:09**
